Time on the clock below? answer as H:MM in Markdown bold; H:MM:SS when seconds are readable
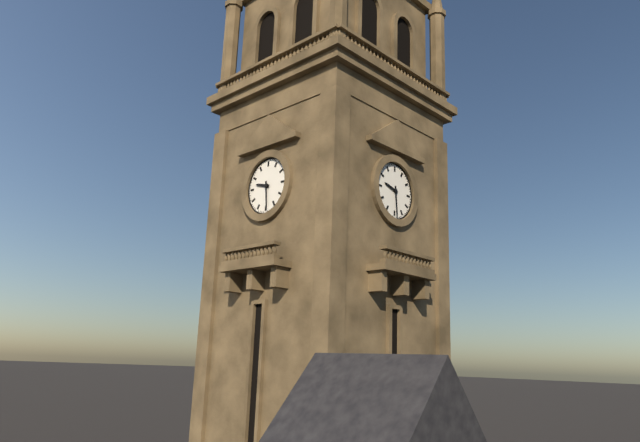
**9:29**
